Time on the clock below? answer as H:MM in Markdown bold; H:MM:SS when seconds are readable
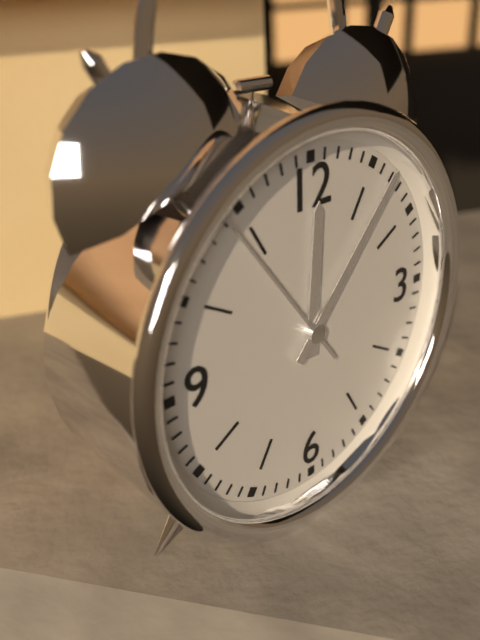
**12:07:54**
